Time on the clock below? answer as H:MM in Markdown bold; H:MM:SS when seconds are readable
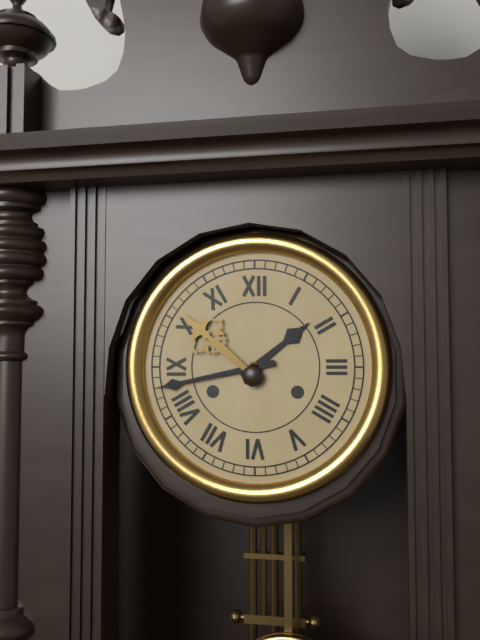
**1:43**
